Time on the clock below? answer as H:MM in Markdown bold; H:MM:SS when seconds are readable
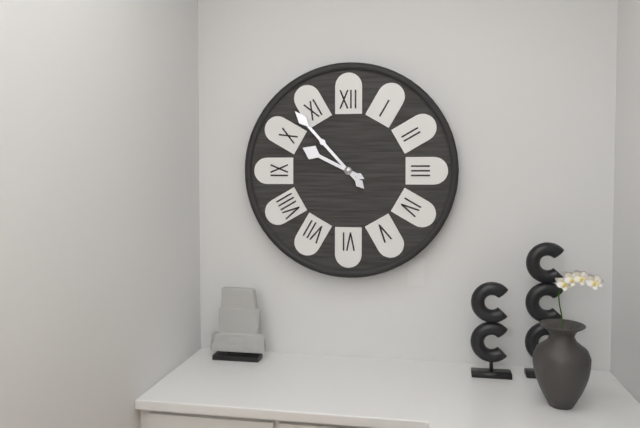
**9:53**
